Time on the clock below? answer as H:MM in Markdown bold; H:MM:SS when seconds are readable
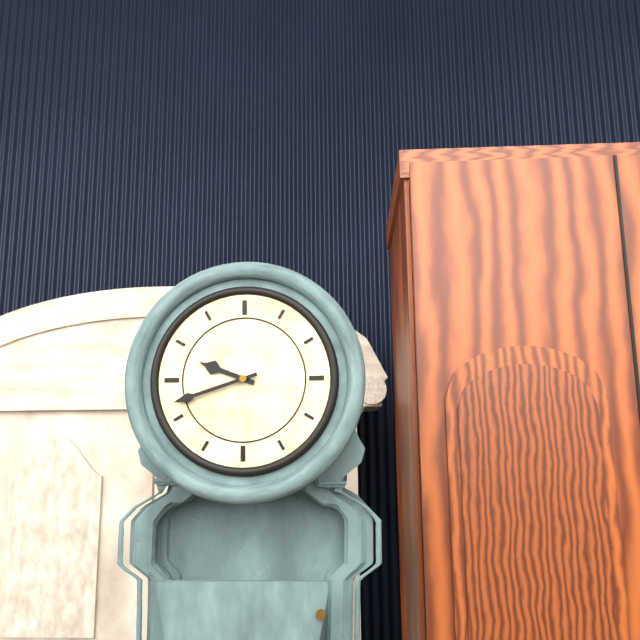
**9:42**
